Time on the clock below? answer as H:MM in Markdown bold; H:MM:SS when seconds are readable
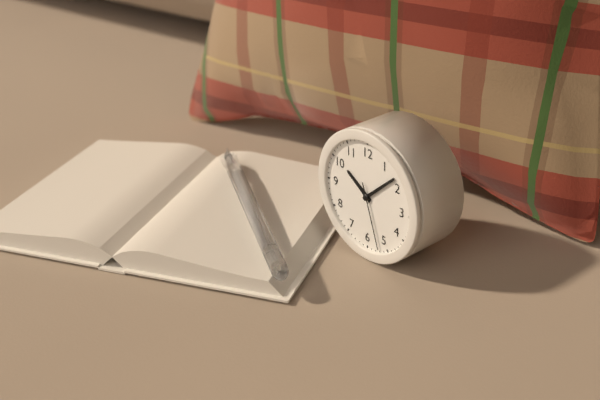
**10:08:27**
